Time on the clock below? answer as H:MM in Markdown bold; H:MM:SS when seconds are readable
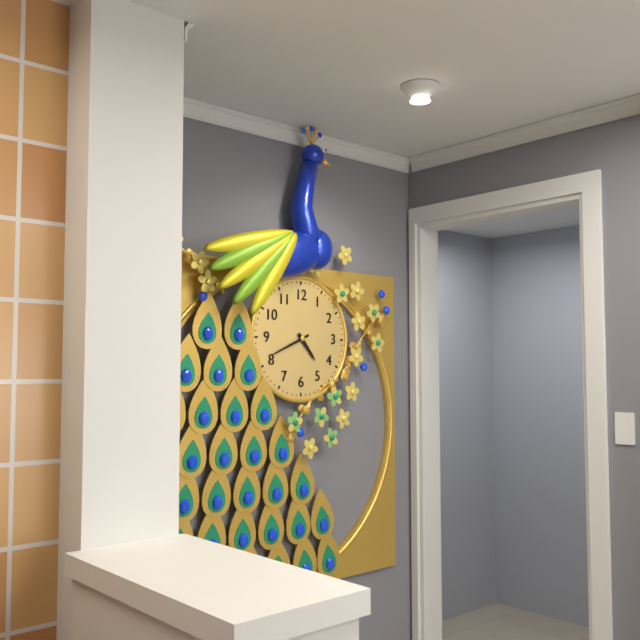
**4:41**
